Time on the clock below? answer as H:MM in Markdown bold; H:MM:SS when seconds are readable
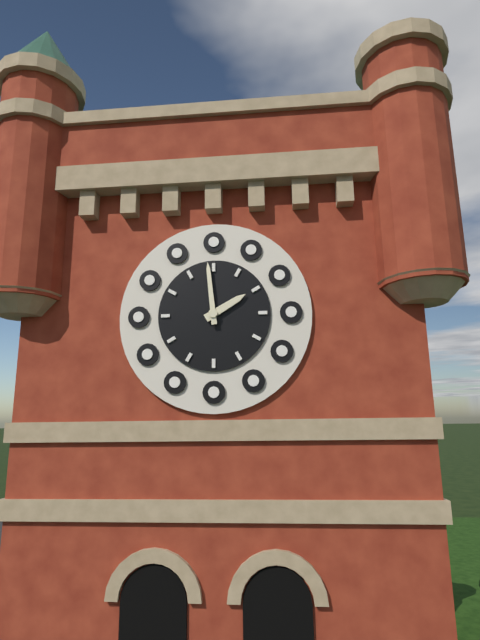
**1:59**
